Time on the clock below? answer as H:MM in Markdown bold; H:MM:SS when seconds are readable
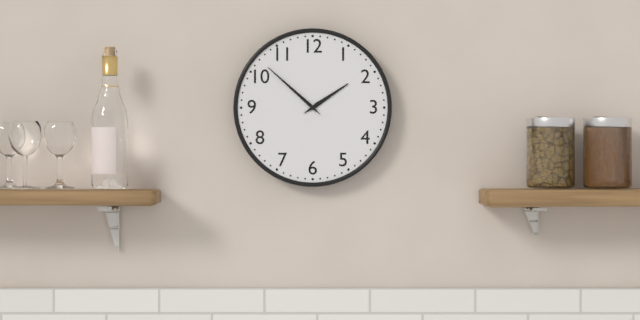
**1:52**
